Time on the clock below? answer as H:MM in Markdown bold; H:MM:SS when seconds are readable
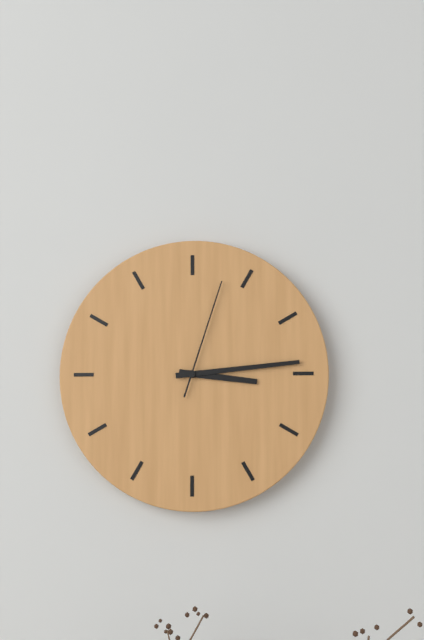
**3:14:03**
